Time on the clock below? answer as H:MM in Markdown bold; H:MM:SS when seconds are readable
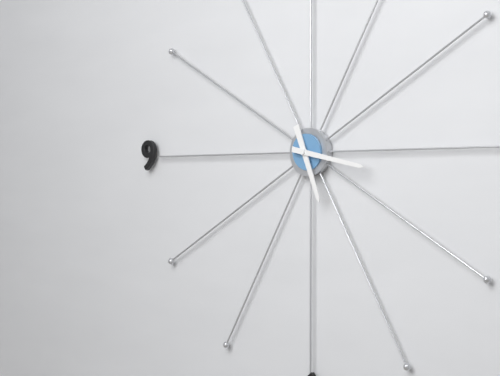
**5:17**
